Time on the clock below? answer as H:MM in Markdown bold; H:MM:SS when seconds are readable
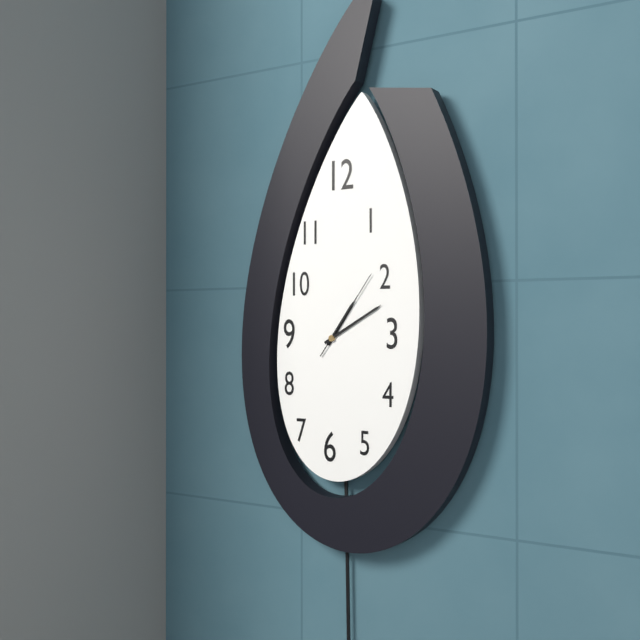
**1:10:06**
